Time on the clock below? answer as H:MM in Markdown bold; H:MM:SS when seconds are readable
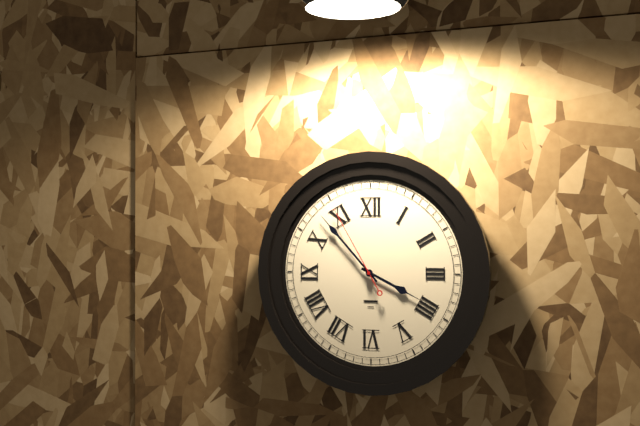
**3:53:55**
